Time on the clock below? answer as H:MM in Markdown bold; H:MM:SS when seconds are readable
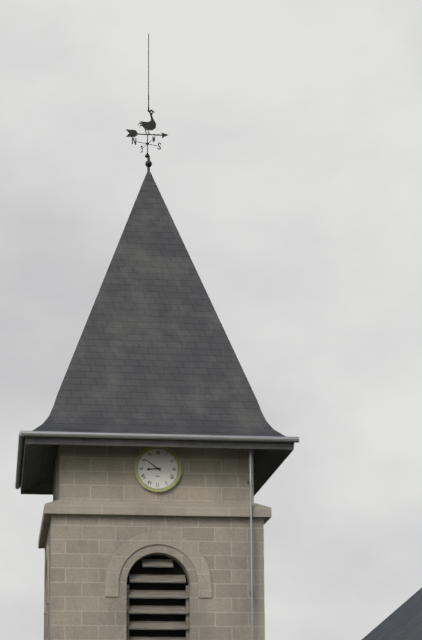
**8:51**
